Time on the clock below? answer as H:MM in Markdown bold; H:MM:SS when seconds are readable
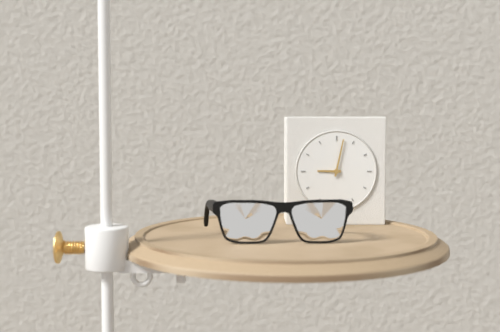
**9:02**
